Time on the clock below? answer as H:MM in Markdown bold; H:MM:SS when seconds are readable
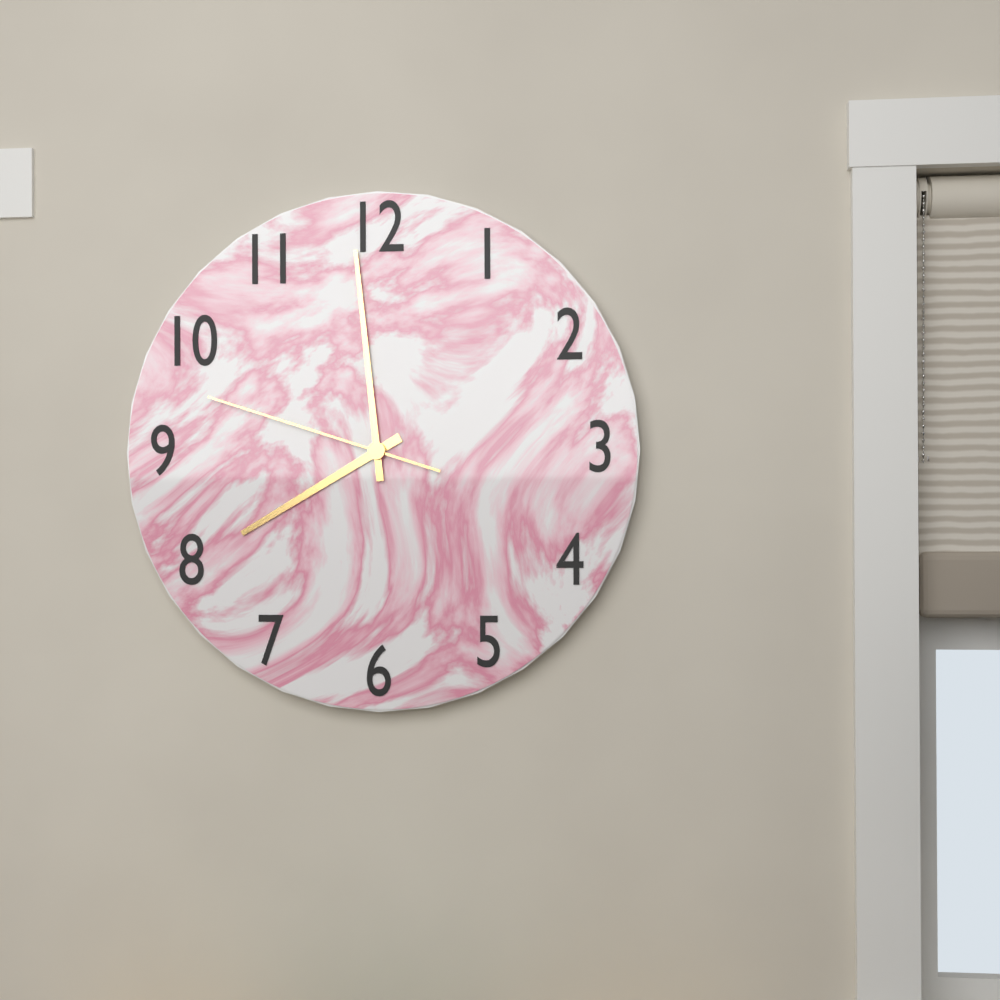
**7:59:48**
